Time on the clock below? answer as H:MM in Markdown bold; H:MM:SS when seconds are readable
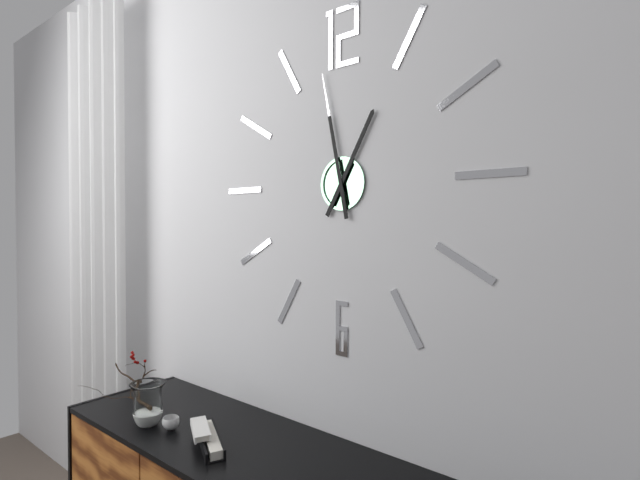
**12:58**
